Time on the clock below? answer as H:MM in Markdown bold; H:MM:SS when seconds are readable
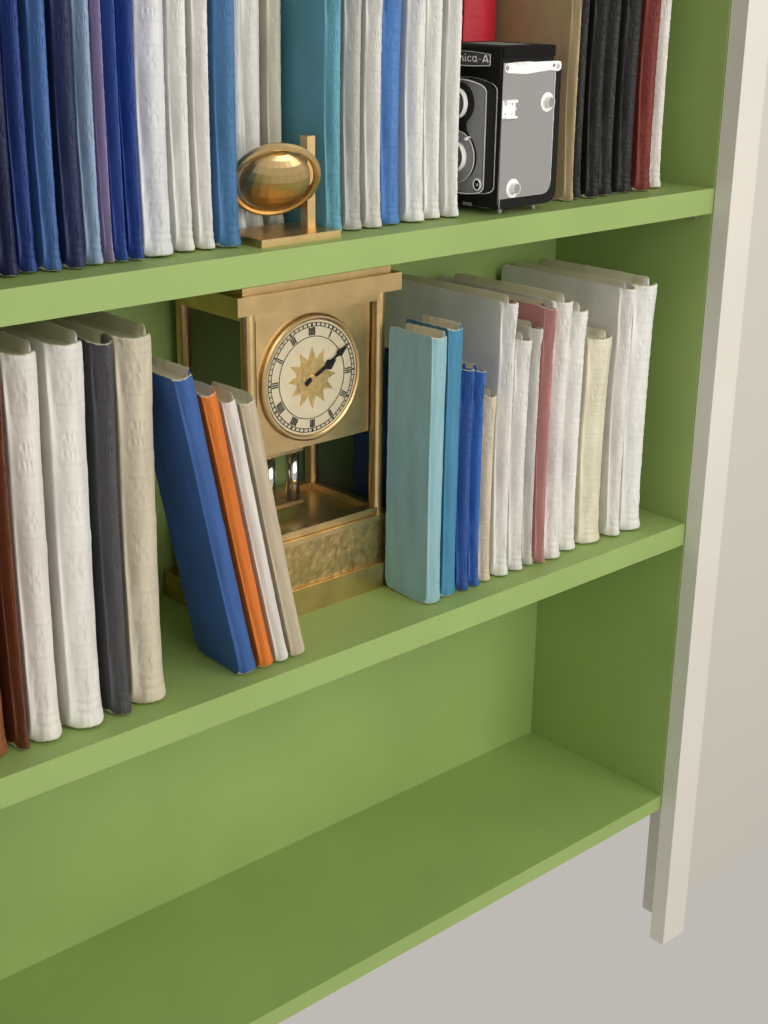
**2:10**
